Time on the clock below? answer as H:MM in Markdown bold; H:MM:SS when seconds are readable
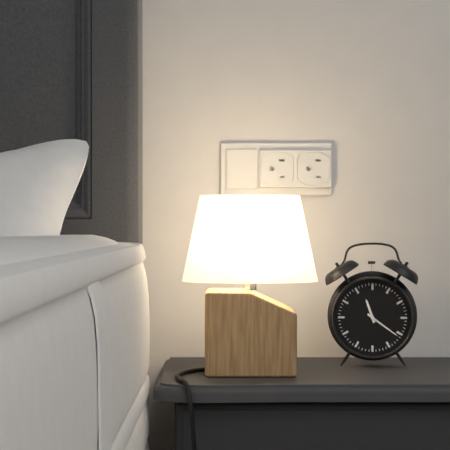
**11:21**
